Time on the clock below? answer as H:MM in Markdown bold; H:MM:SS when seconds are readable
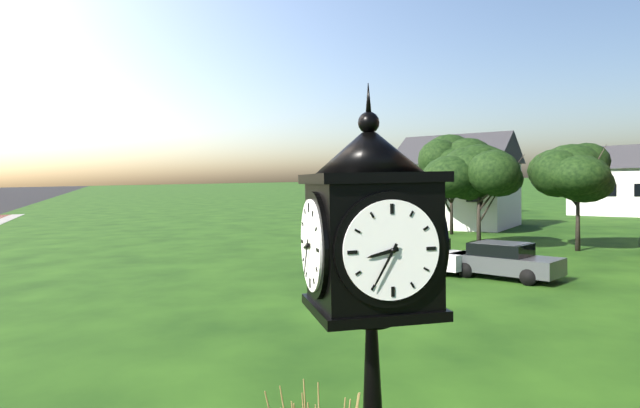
**8:35**
